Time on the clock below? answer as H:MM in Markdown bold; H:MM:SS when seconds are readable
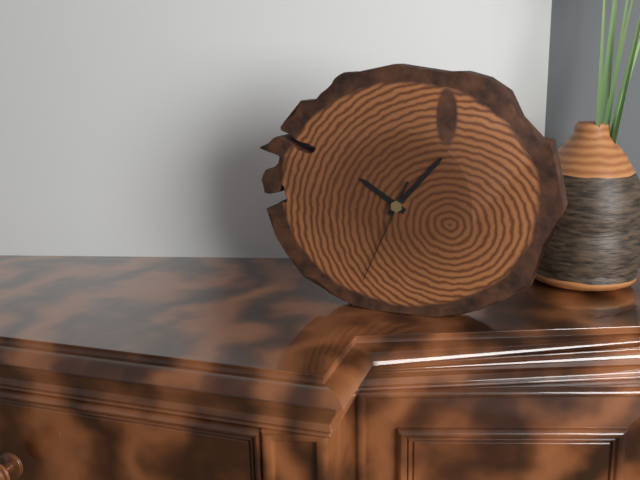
**10:07:34**
